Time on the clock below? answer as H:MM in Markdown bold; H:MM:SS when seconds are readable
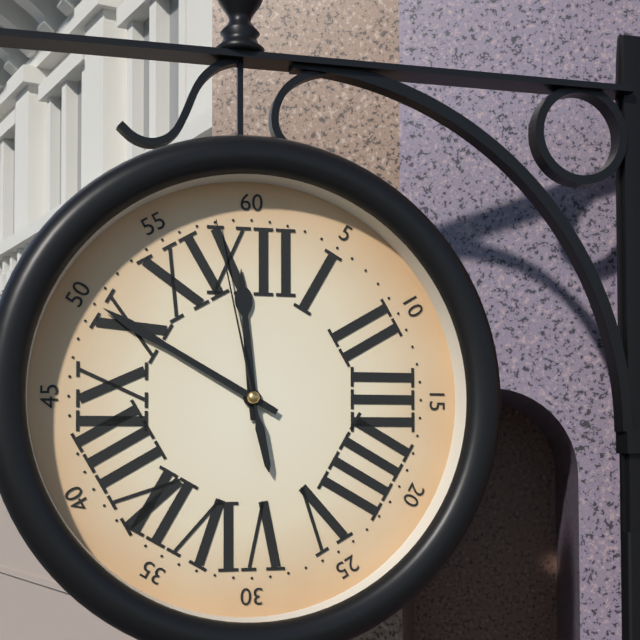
**11:50:58**
